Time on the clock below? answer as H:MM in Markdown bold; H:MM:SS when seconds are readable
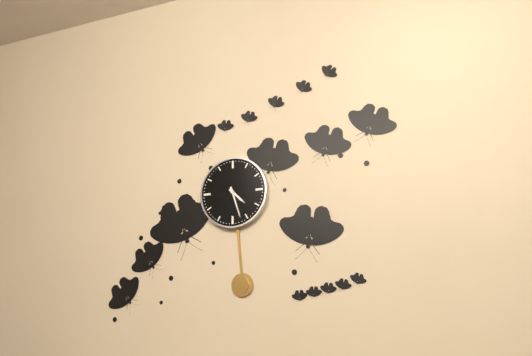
**4:27**
